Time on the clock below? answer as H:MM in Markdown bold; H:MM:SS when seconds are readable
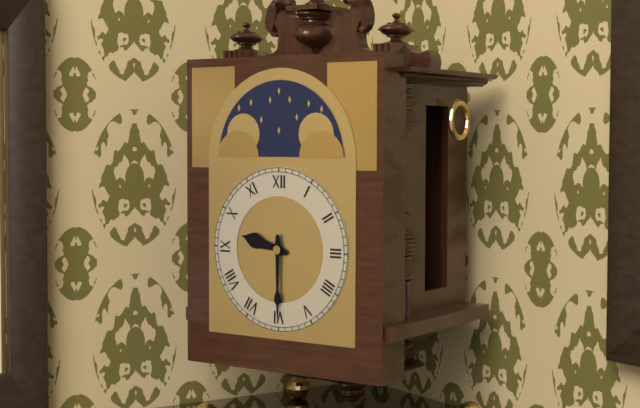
**9:30**
